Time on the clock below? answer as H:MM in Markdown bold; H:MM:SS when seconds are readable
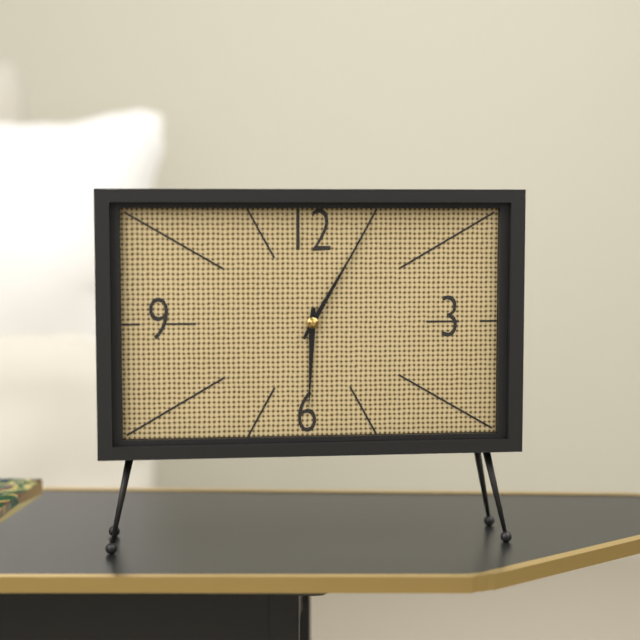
**6:05**
